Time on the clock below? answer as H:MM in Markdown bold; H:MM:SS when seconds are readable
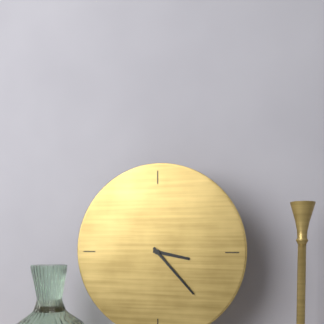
**3:23**
